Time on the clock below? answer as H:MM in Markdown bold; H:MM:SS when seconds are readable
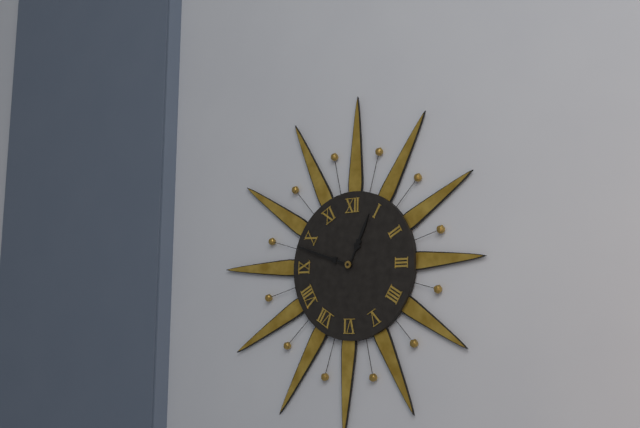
**12:48**
